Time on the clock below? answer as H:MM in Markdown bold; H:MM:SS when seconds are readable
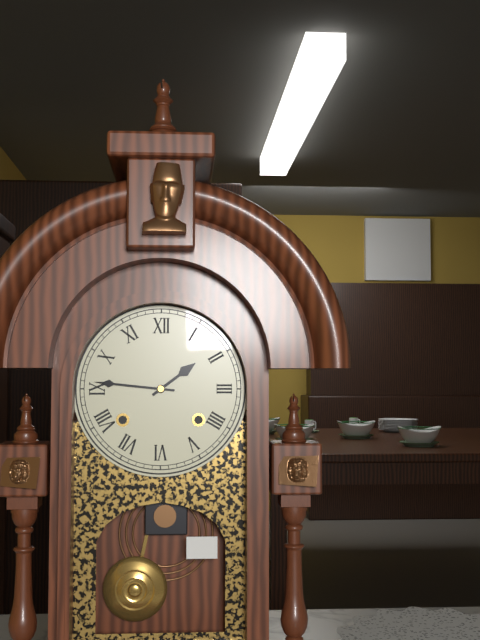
**1:46**
